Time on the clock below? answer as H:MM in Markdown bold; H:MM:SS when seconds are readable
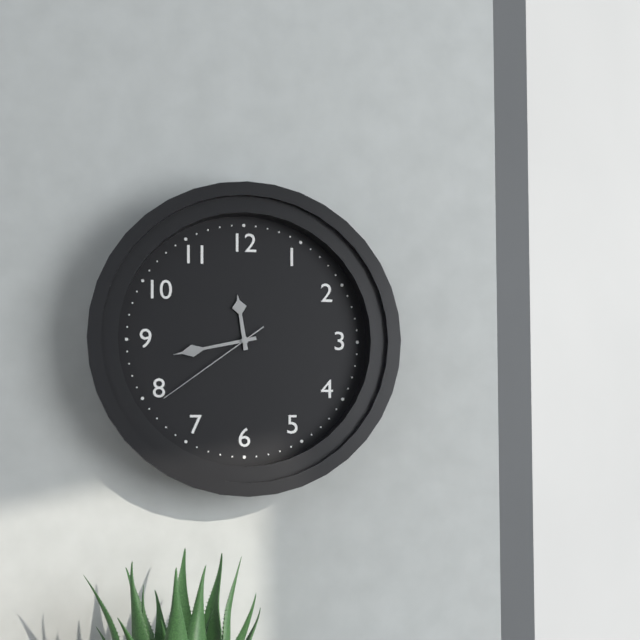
**11:43:39**
